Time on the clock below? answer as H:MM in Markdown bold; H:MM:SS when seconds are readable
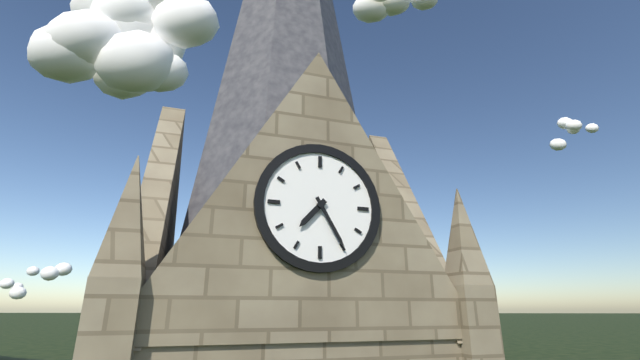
**7:25**
